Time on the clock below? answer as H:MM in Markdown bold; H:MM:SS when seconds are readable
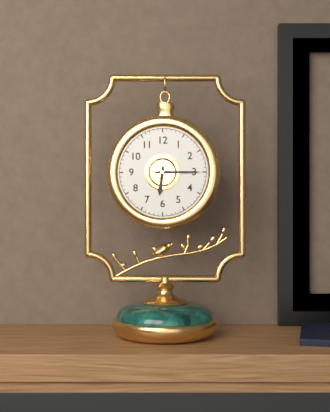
**6:15**
